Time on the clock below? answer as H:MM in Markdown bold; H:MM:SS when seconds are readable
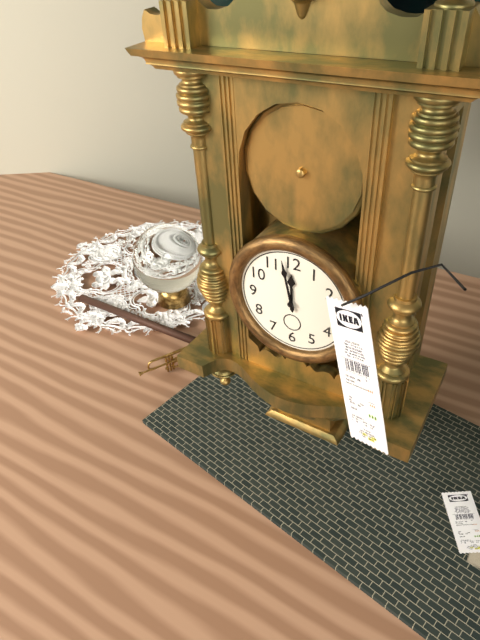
**11:58**
